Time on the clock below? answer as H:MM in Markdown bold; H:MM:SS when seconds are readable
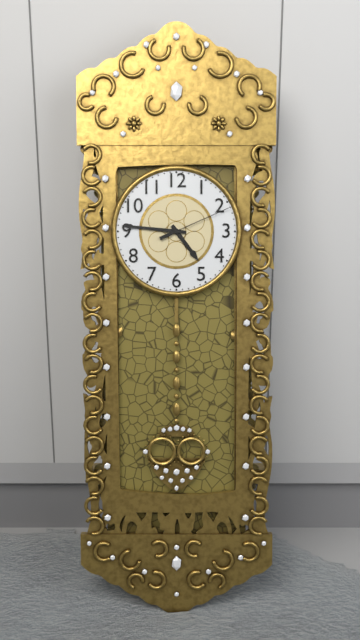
**4:46:11**
